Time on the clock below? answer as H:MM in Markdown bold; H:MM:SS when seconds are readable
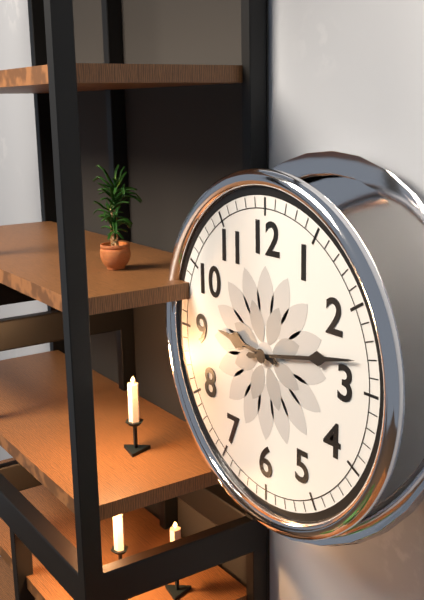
**9:13**
